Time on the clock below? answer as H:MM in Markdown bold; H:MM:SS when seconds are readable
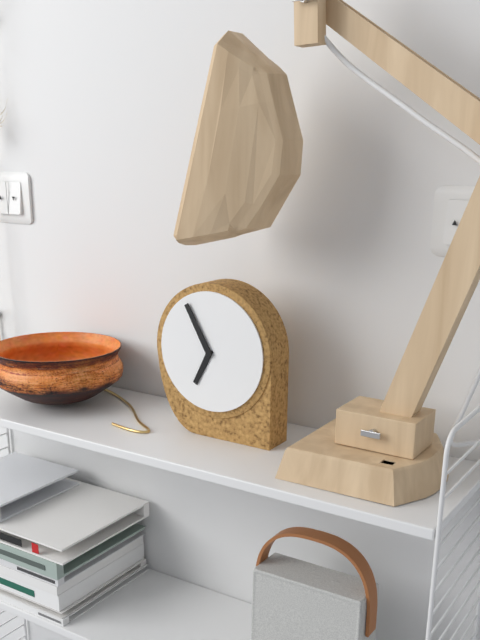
**6:55**
